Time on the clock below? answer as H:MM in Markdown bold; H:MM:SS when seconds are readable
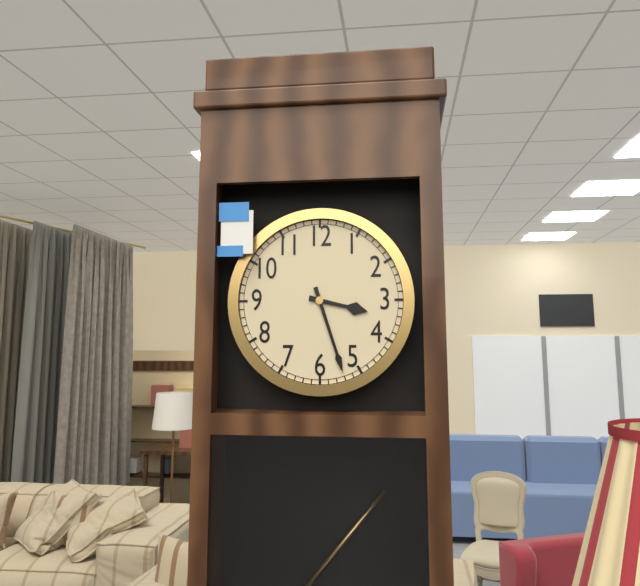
**3:27**
